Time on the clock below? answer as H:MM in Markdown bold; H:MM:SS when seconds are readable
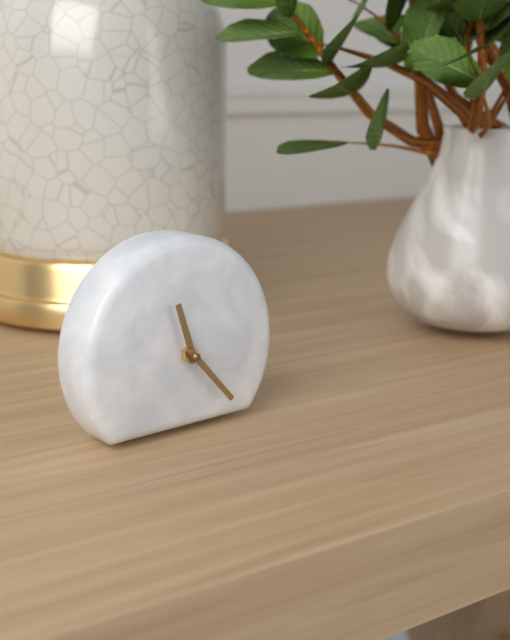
**11:23**
